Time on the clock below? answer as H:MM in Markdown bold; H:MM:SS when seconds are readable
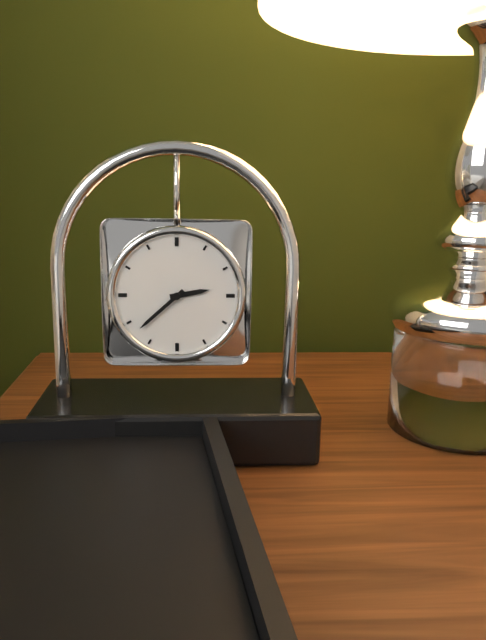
**2:38**
